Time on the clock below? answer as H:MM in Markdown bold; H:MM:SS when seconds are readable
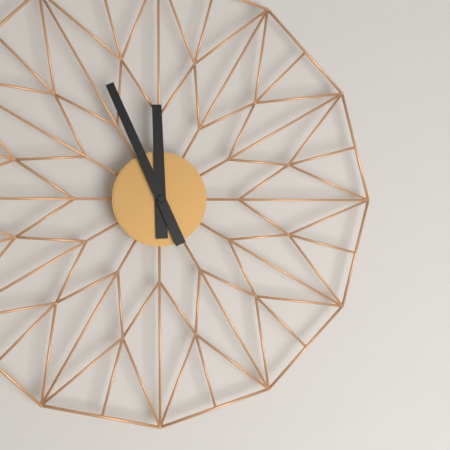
**11:56**
